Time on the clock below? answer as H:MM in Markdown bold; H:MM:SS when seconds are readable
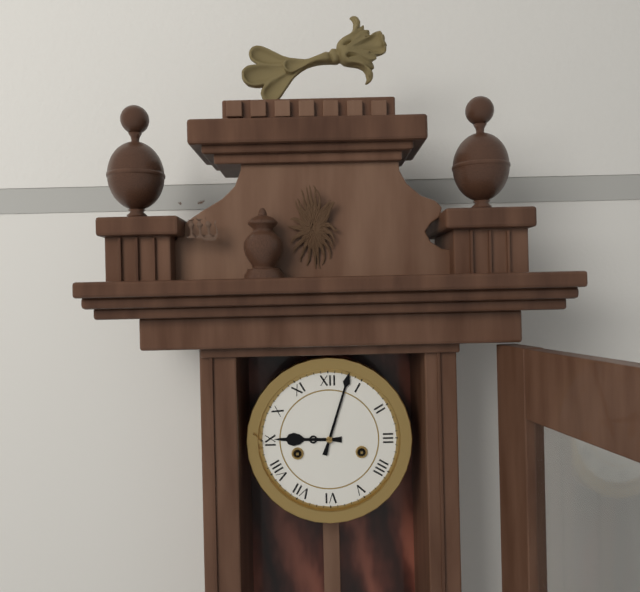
**9:03**
